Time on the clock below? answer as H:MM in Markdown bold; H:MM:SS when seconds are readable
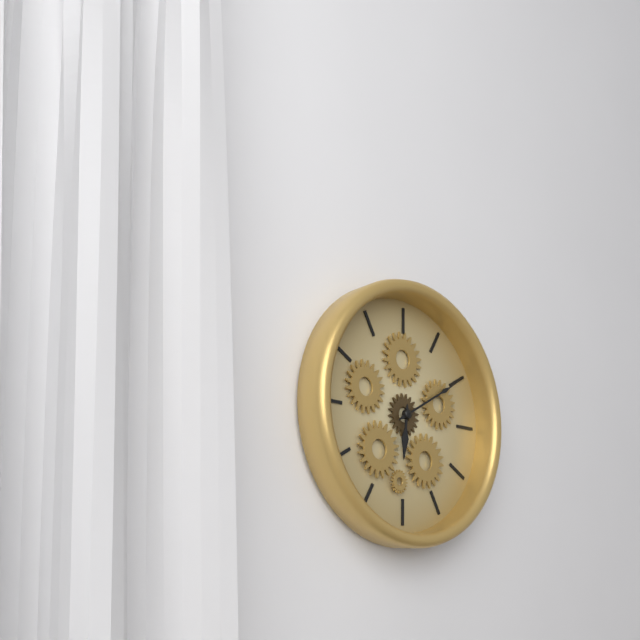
**6:10**
